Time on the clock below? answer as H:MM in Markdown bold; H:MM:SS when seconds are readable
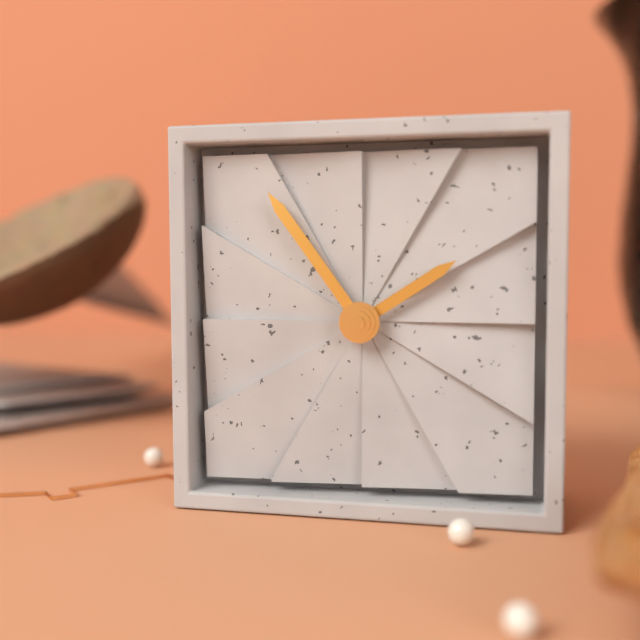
**1:54**
